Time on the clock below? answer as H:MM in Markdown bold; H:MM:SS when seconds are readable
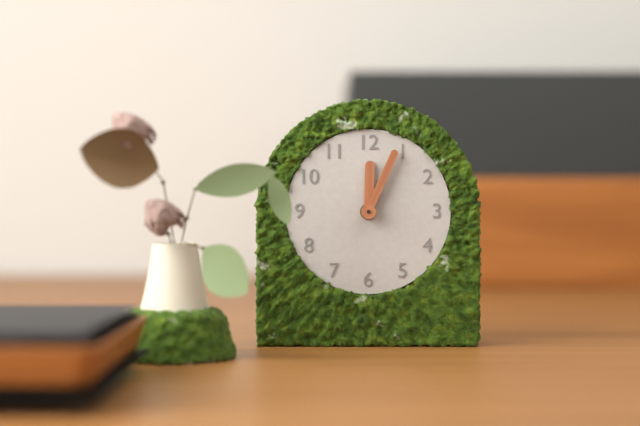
**12:04**
